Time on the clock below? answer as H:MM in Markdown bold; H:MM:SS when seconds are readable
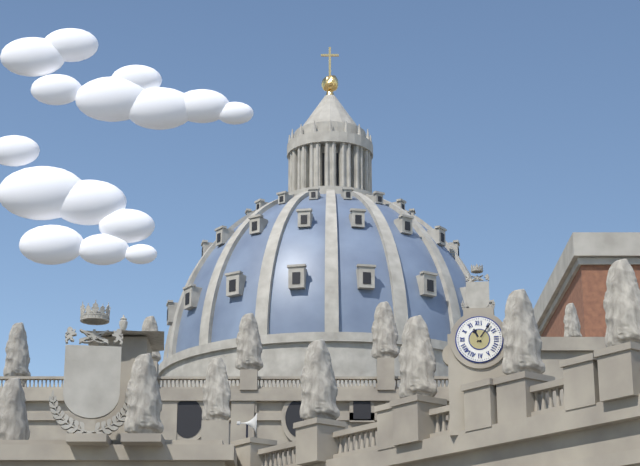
**11:06**
